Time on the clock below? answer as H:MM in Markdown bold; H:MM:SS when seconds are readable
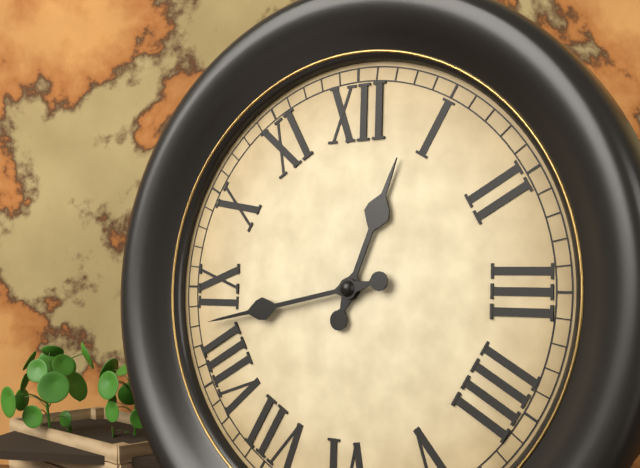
**12:43**
